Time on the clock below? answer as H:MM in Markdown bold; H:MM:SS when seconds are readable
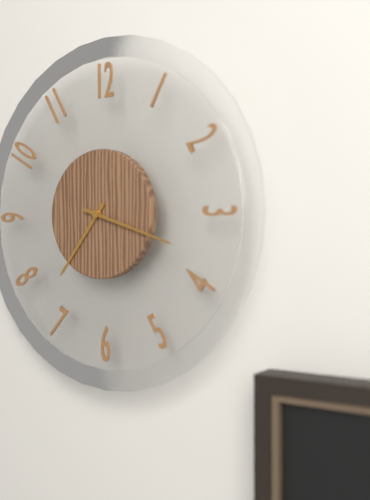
**7:18**
